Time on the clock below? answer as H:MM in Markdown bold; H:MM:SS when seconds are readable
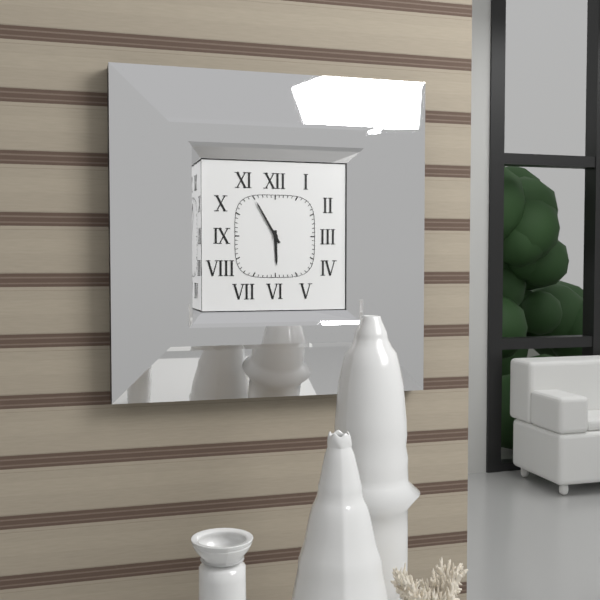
**5:55**
